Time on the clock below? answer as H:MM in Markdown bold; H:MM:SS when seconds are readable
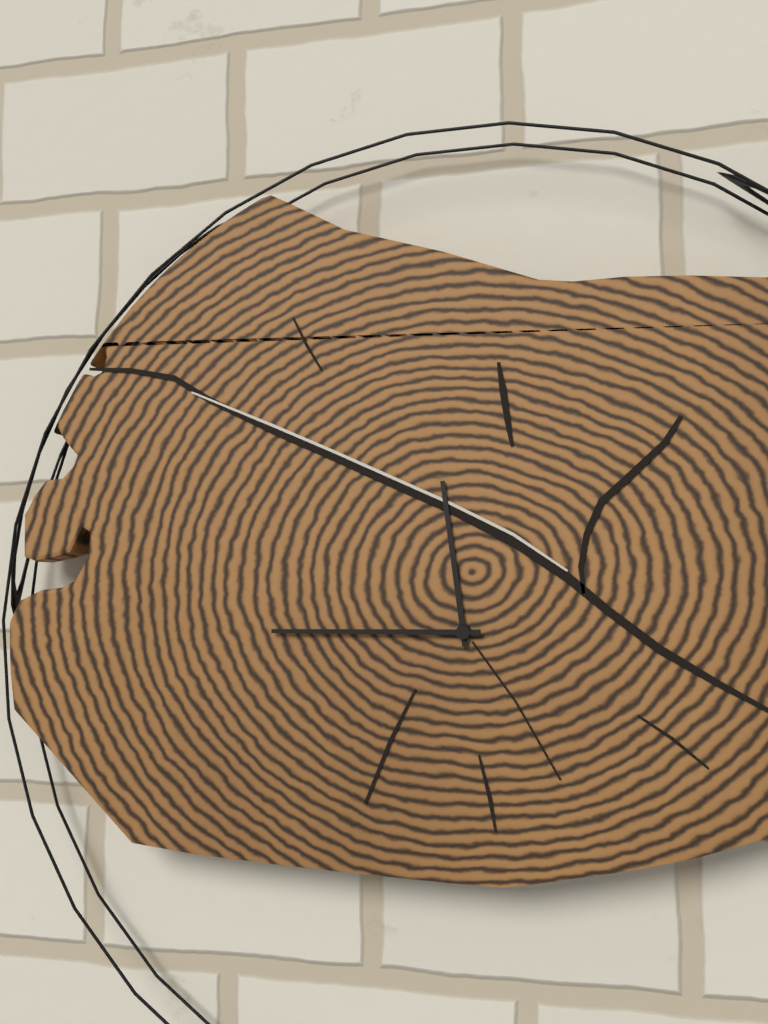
**11:45**
